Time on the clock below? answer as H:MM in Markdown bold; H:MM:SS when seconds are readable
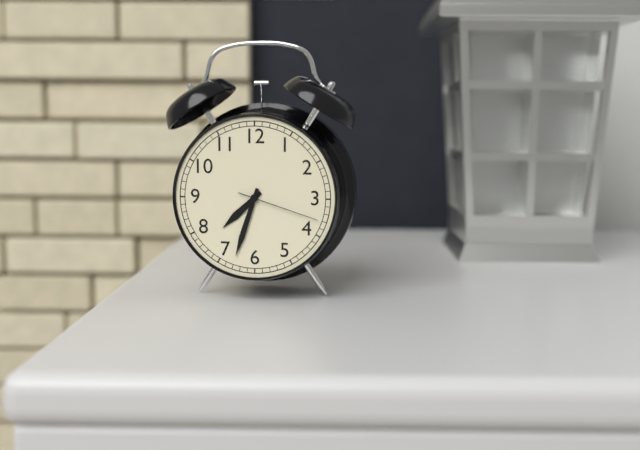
**7:33:18**
